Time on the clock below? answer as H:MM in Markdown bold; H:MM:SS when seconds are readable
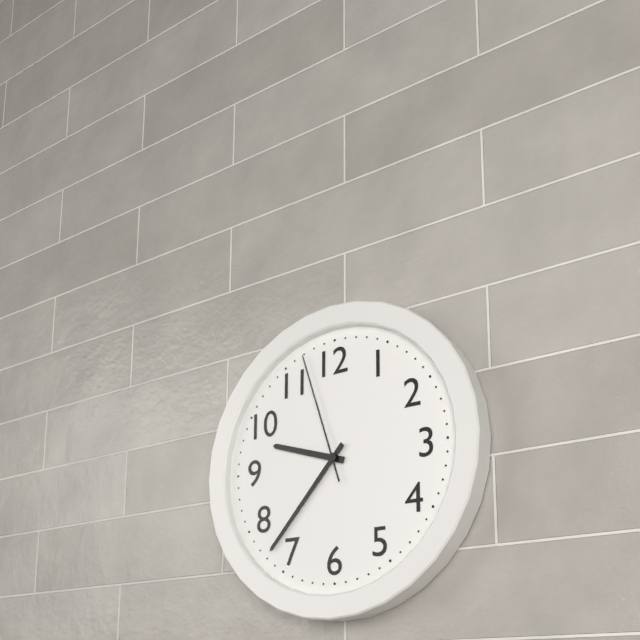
**9:37:57**
